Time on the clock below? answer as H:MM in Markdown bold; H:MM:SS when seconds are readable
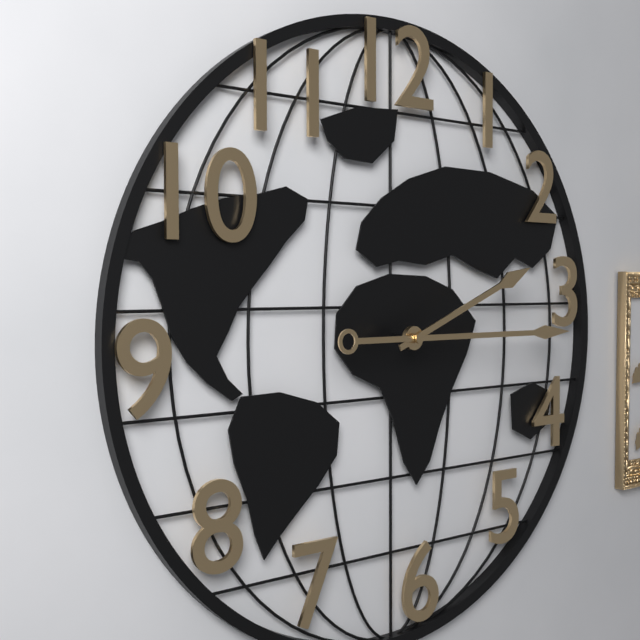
**2:15**
